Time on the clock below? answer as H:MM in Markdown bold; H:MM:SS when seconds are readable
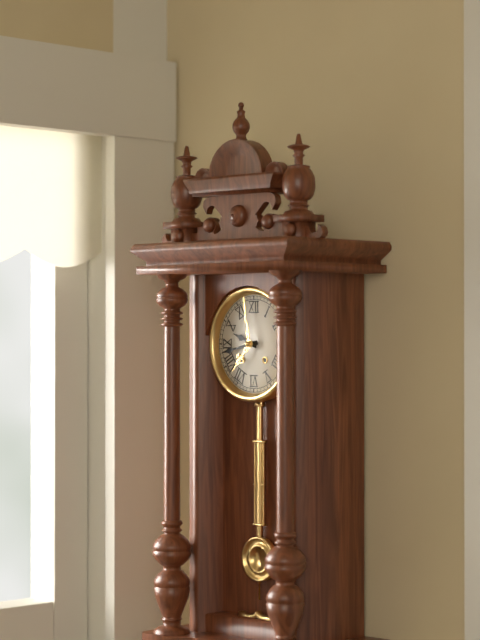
**9:43**
